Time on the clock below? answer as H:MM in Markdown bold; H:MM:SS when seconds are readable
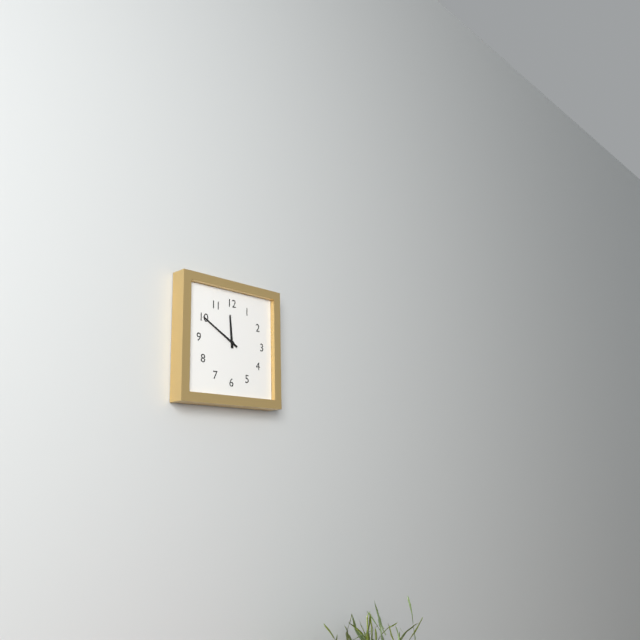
**11:50**
